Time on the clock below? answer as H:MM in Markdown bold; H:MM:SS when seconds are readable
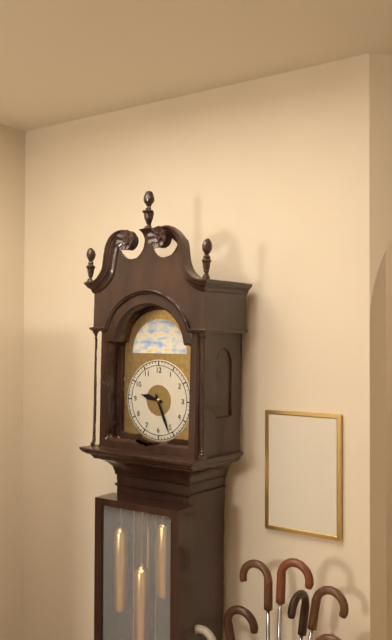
**9:26**
